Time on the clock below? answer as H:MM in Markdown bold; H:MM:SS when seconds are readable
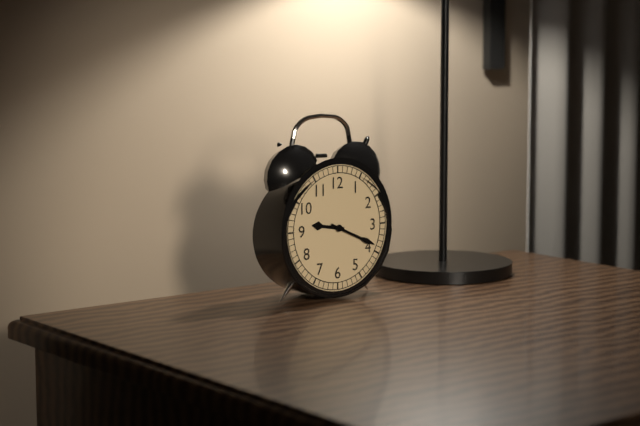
**9:19**
